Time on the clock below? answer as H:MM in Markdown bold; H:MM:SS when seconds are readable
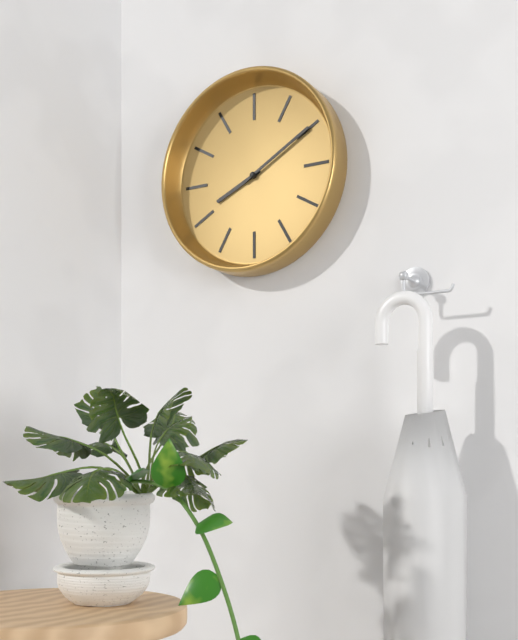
**8:10**
